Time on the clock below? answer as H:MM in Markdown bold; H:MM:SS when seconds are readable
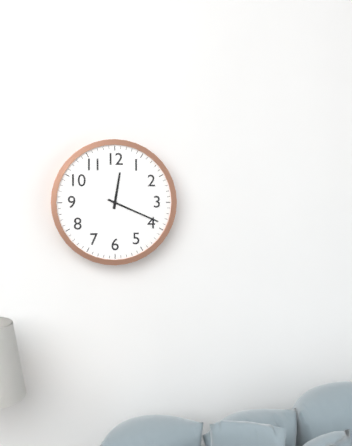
**12:19**
